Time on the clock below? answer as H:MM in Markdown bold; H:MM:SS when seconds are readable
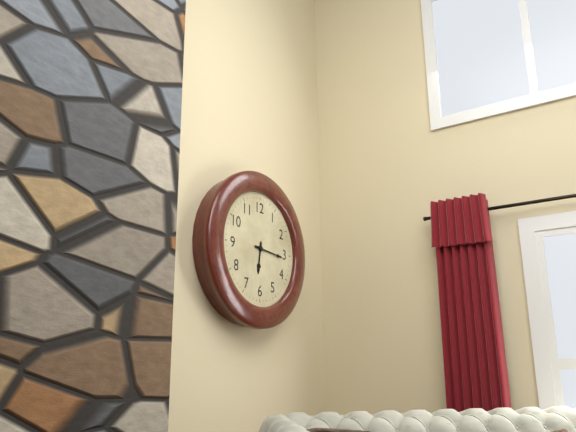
**6:16**
